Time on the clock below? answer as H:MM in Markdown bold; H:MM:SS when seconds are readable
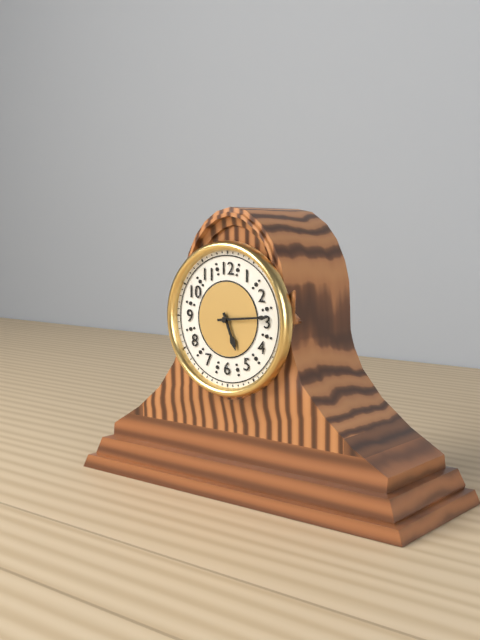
**5:14**
